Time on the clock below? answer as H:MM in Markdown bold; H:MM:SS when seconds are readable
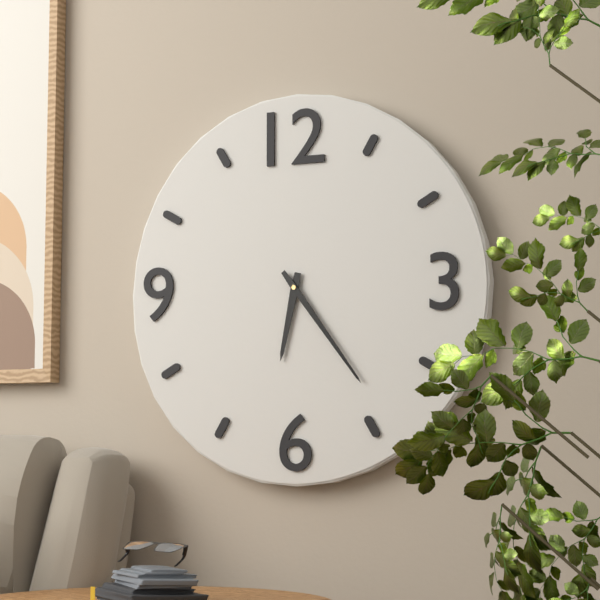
**6:24**
